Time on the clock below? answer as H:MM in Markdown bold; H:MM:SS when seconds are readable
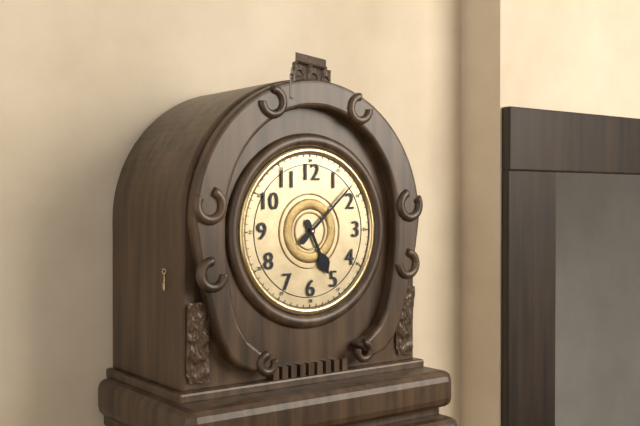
**5:08**
